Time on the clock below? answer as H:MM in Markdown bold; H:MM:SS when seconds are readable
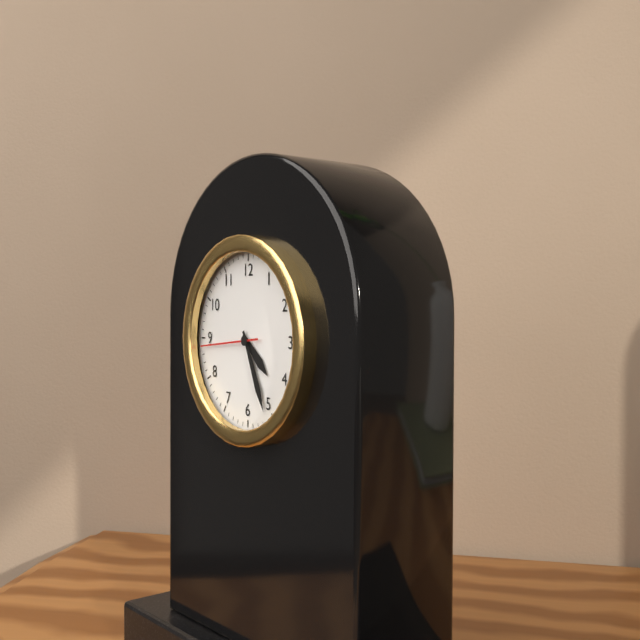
**4:26:44**
